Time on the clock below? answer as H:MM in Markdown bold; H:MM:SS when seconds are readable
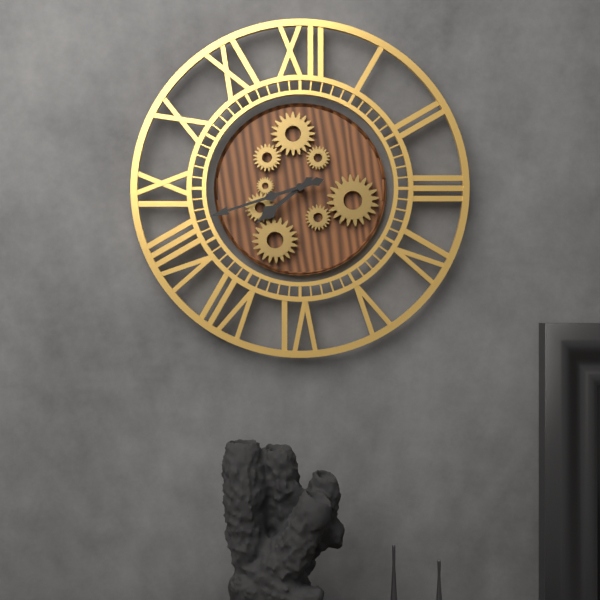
**7:42**
